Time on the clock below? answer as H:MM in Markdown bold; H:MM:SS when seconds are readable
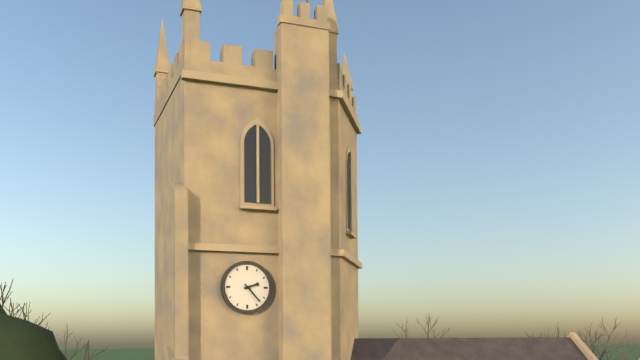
**2:23**
